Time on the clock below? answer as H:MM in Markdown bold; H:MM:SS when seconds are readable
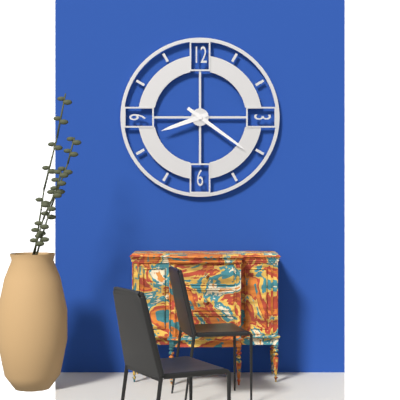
**8:21**
